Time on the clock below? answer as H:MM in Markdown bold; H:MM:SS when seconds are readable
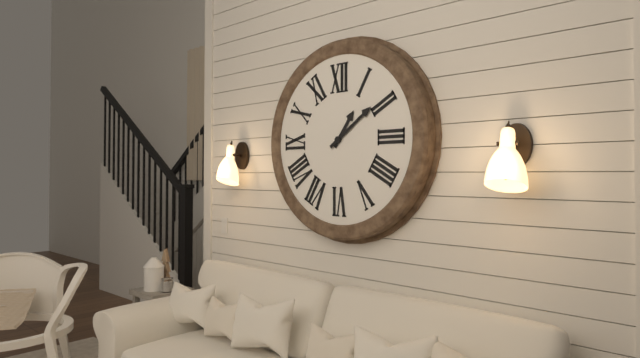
**1:09**
